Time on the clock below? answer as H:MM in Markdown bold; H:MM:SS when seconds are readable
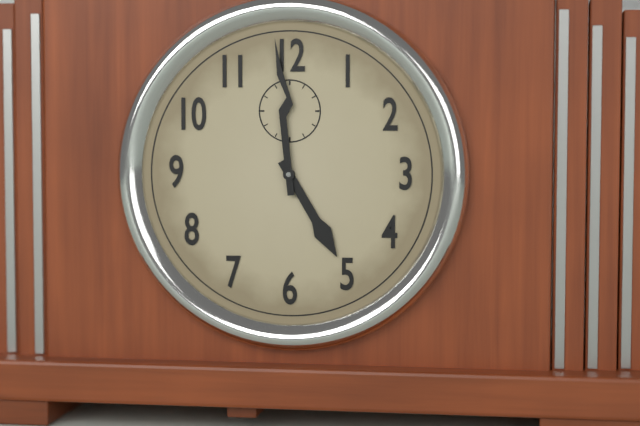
**4:59**
